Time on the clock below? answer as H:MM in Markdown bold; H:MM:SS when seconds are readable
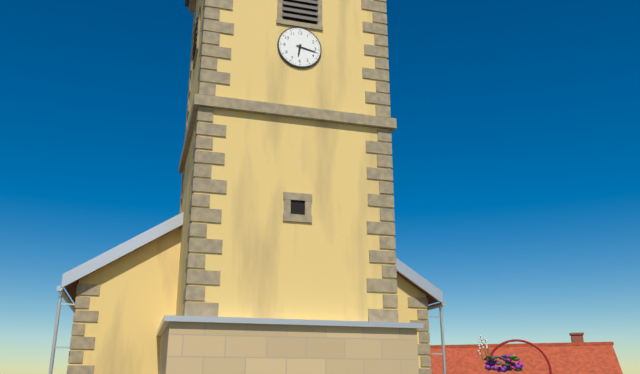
**6:17**
